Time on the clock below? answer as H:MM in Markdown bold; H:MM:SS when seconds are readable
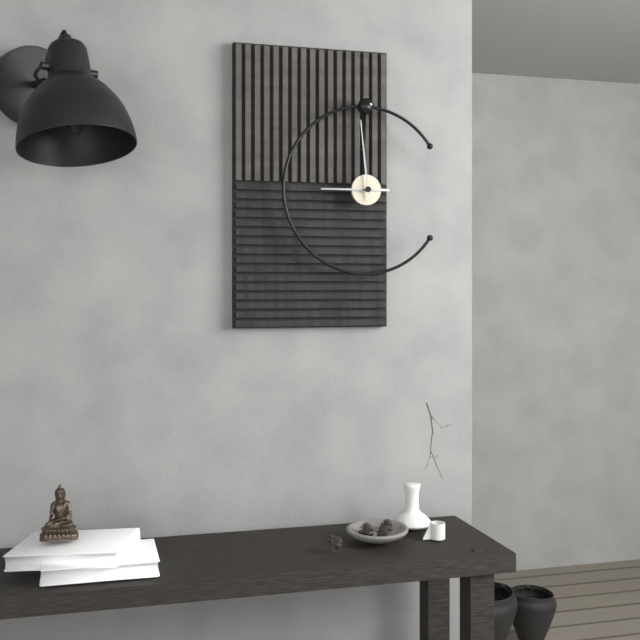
**8:59**
